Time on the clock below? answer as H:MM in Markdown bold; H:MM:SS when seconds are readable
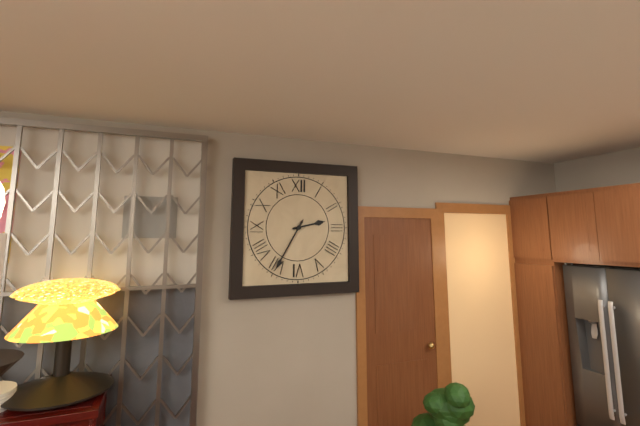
**2:35**
